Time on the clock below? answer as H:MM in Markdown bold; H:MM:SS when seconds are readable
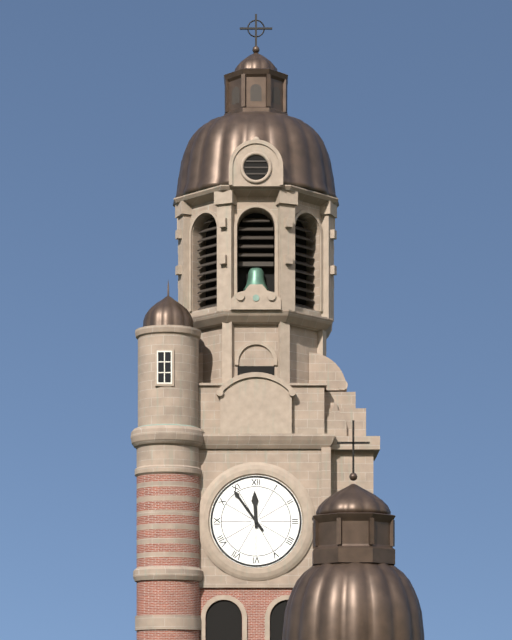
**11:54**
